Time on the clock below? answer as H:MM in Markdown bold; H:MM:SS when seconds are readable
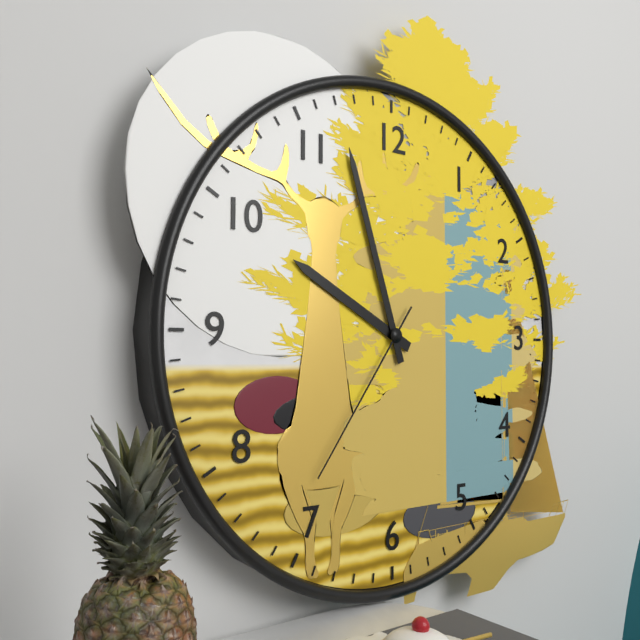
**9:57:36**
